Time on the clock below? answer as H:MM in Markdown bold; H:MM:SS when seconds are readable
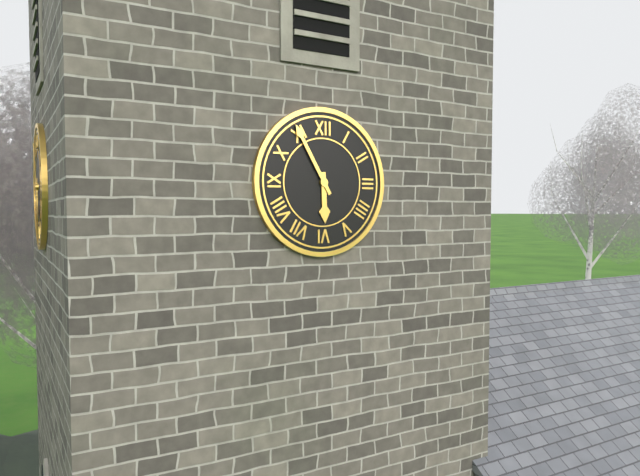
**5:55**
